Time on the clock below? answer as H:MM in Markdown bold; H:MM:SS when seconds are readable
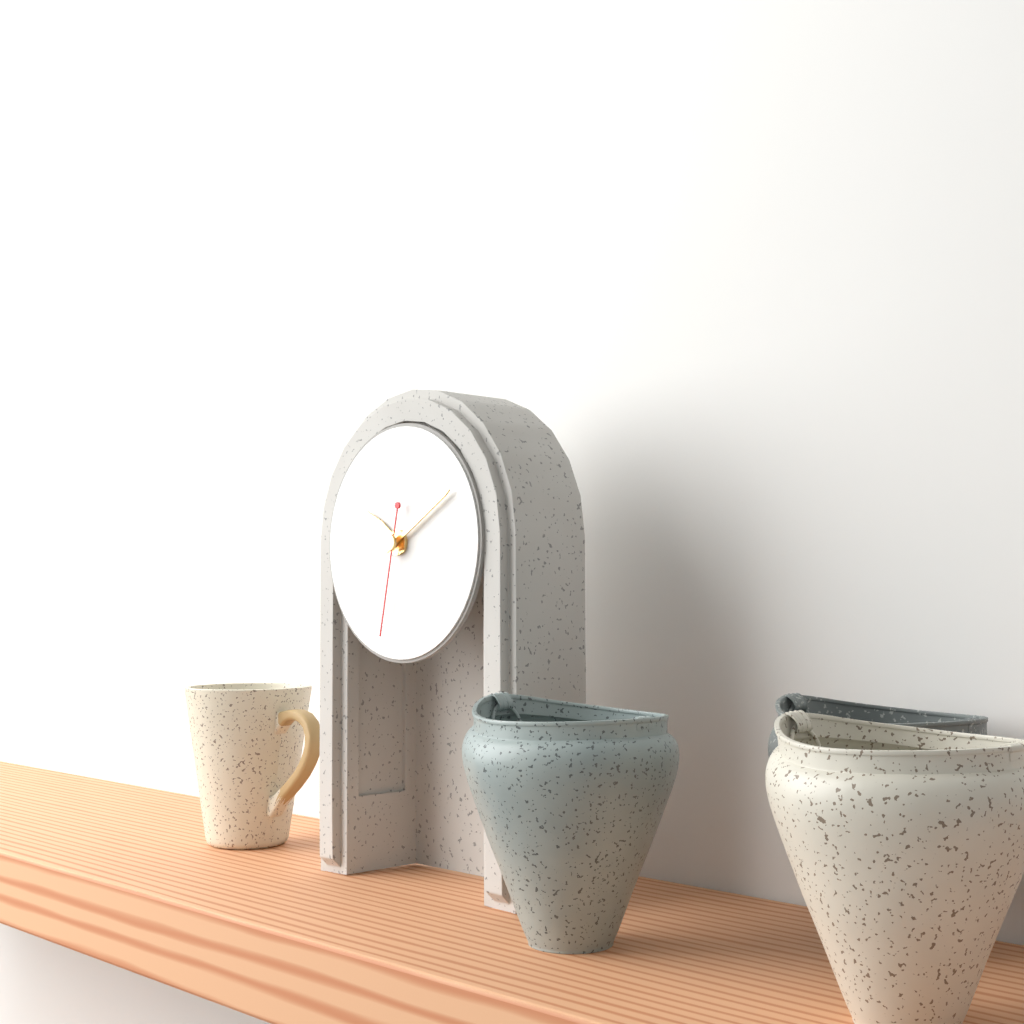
**10:10:32**
